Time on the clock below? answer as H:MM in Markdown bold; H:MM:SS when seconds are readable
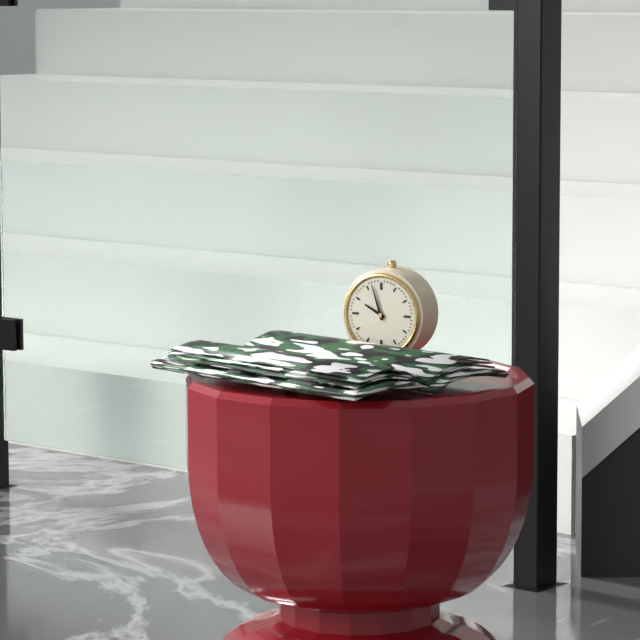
**9:57**
